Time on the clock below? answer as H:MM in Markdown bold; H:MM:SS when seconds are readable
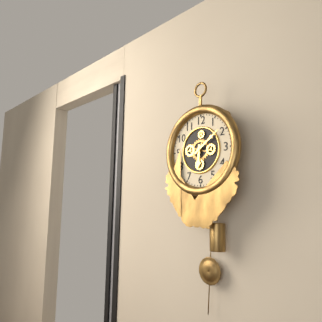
**6:09**
